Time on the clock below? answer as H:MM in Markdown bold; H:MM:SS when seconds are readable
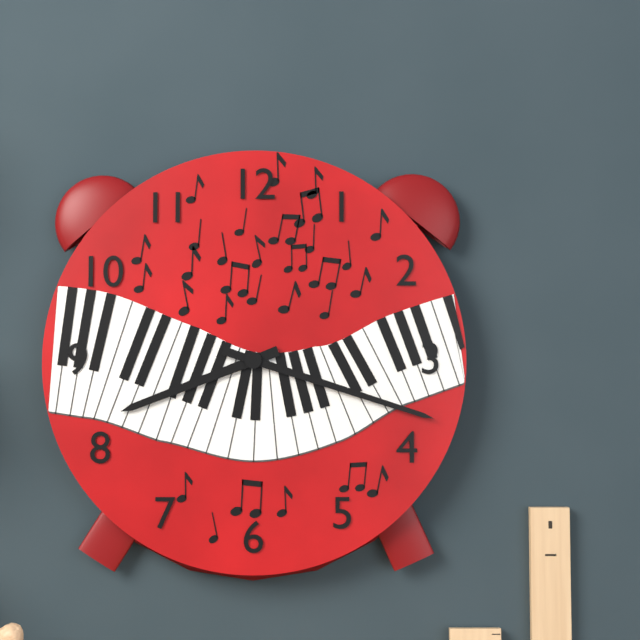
**8:18**
